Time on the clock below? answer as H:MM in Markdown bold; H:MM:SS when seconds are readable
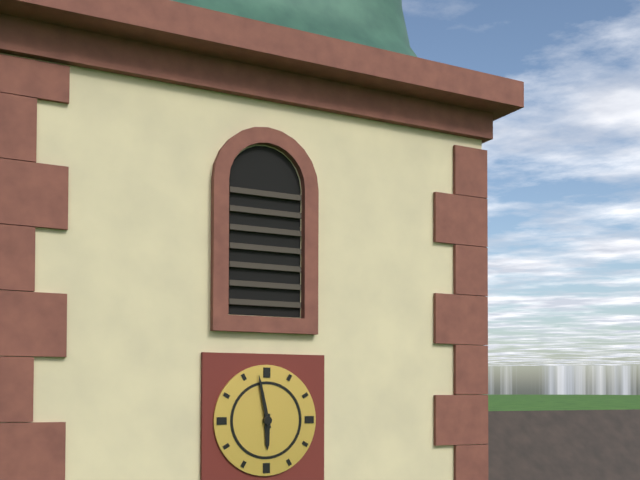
**5:58**
